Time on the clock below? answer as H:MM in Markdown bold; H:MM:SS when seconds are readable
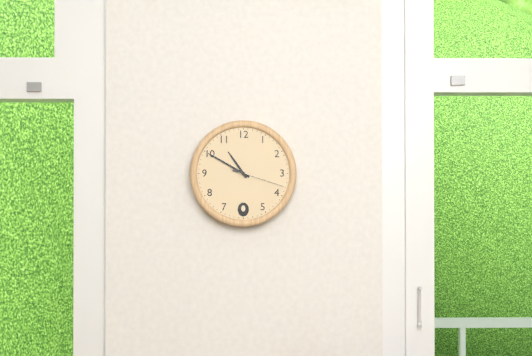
**10:50:18**
